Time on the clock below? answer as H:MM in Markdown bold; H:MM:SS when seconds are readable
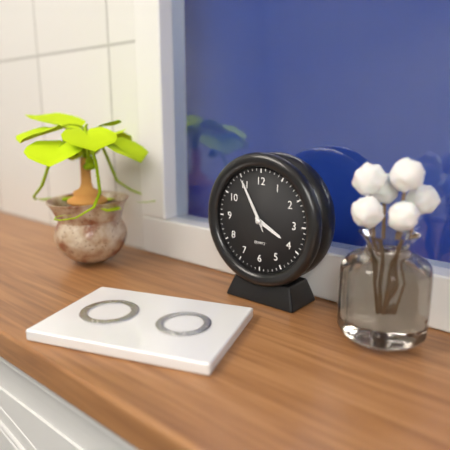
**3:55:55**
